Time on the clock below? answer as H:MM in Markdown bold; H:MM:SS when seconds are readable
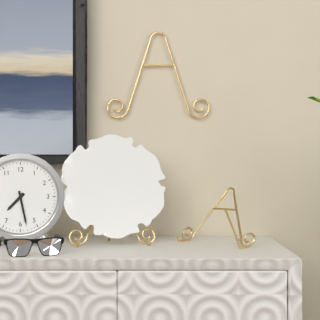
**7:28**
